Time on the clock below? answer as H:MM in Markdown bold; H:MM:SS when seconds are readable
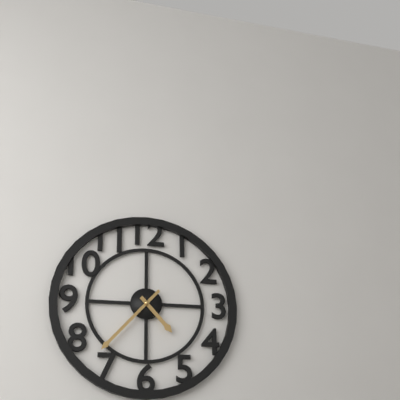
**4:37**
